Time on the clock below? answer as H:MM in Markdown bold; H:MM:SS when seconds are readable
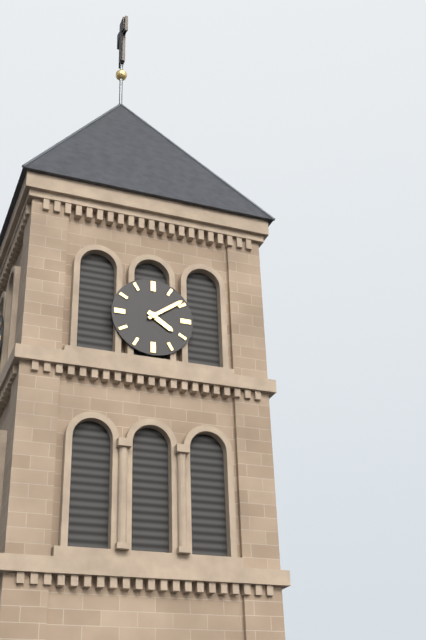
**4:09**
